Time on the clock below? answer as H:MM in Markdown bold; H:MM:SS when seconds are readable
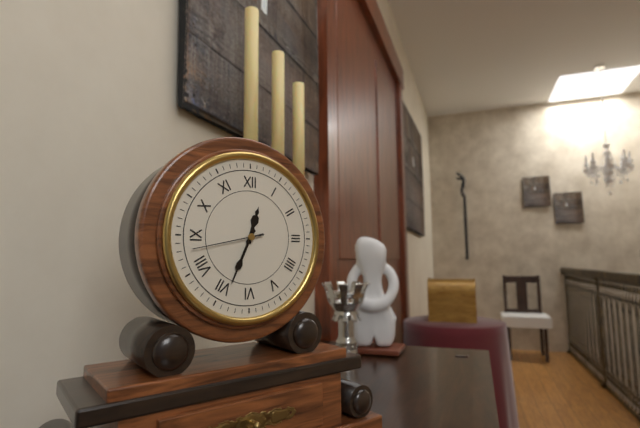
**12:34:43**
